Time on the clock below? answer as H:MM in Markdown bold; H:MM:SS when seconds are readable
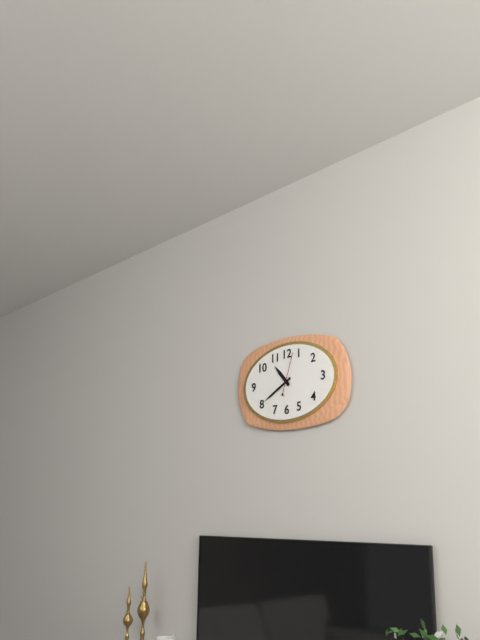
**10:40**
